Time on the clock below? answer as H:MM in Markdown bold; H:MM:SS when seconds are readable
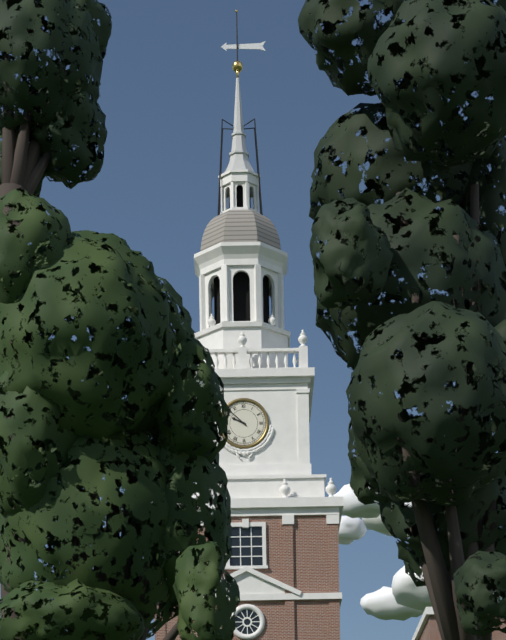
**9:52**
